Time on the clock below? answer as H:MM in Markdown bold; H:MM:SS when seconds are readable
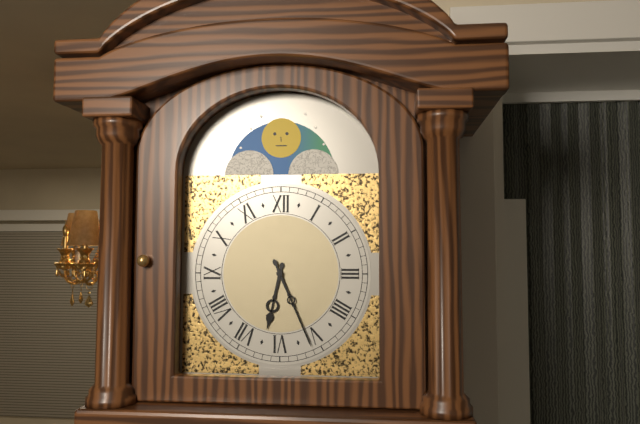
**6:26**
